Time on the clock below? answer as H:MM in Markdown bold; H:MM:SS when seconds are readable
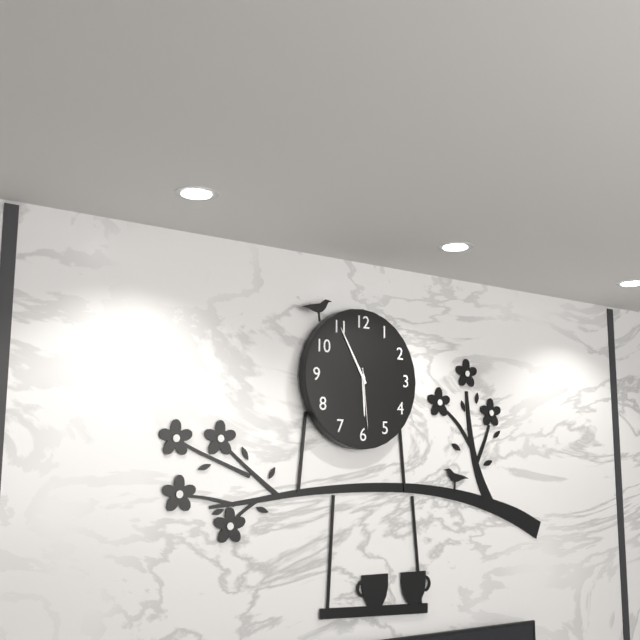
**5:55:29**
